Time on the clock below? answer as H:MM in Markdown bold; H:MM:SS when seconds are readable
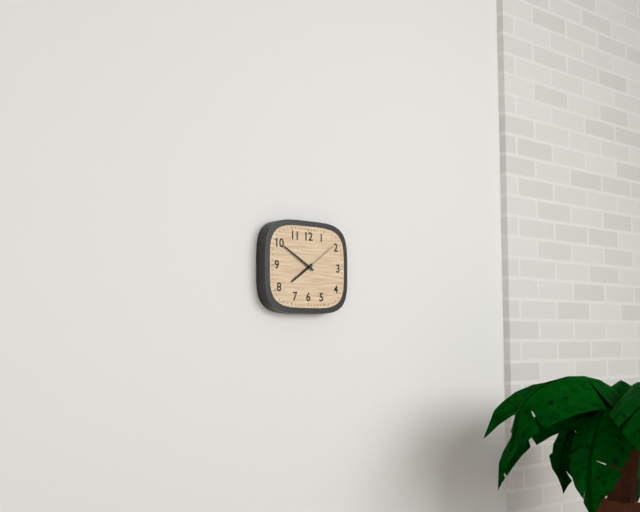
**7:50:09**
